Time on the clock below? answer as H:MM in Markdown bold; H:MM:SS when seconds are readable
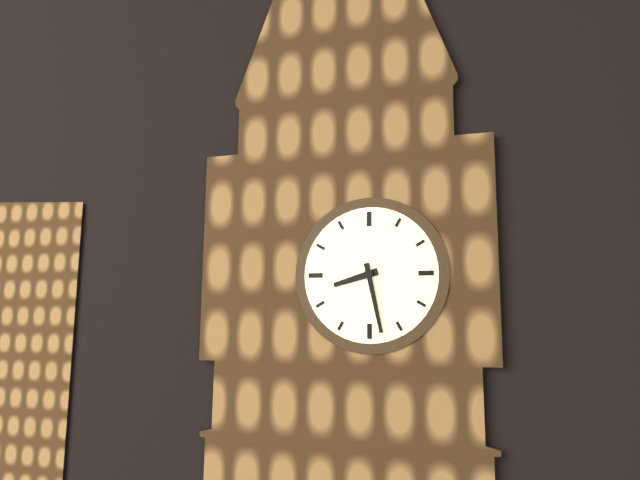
**8:28**
